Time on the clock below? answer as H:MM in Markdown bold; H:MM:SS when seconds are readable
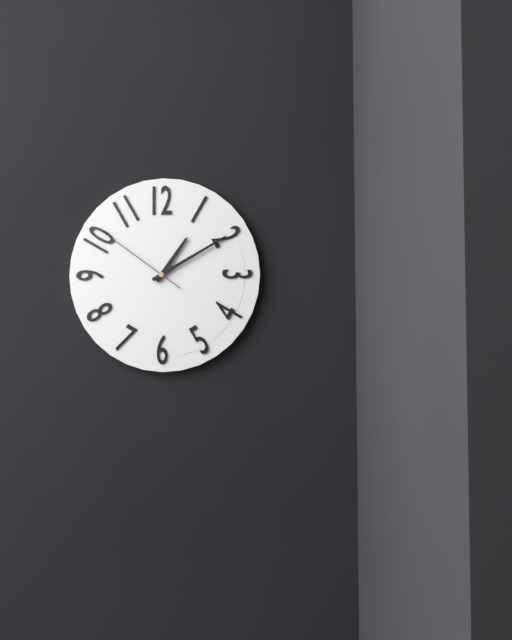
**1:10:51**
